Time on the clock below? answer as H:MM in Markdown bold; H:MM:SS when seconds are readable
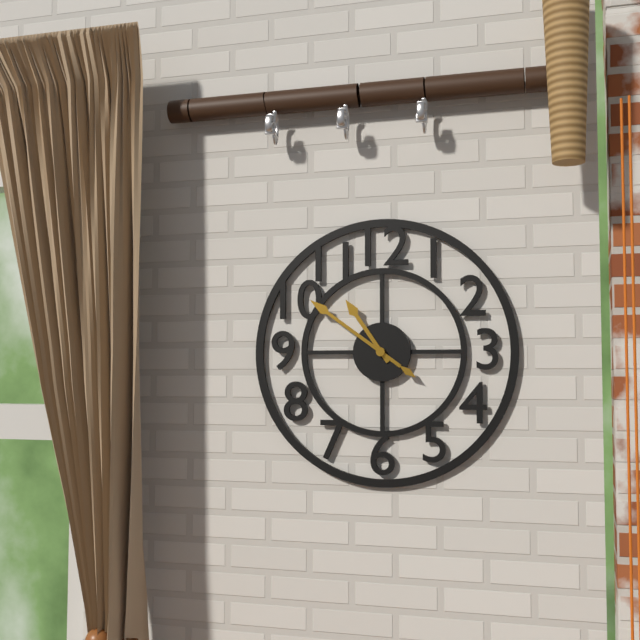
**10:51**
